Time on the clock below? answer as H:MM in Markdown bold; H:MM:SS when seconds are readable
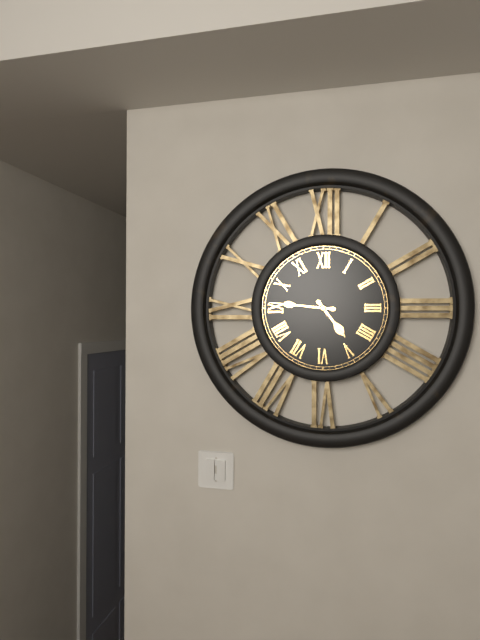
**4:46**
